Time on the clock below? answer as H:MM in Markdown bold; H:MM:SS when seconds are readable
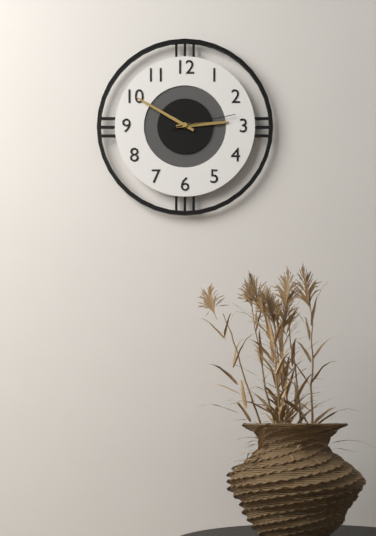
**2:50:13**
